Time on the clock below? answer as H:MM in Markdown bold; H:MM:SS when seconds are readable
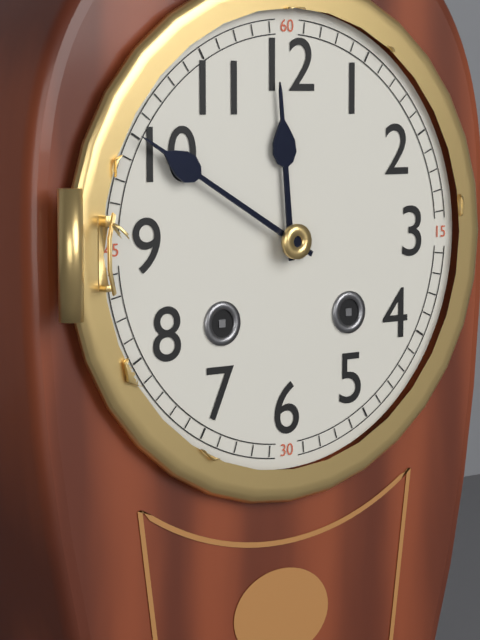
**11:50**
